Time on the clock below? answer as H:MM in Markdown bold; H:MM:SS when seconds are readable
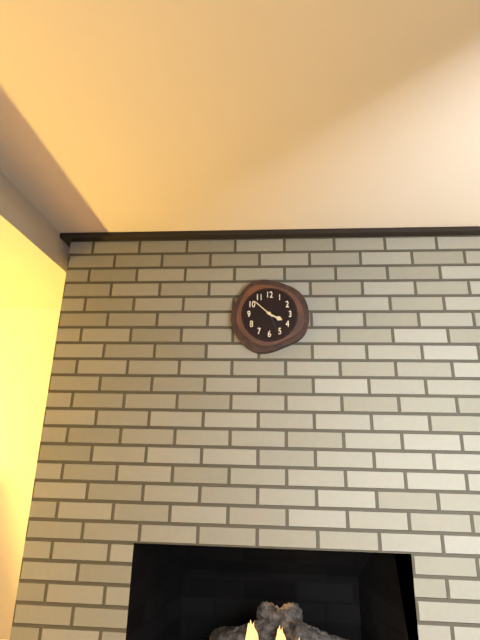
**3:52**
